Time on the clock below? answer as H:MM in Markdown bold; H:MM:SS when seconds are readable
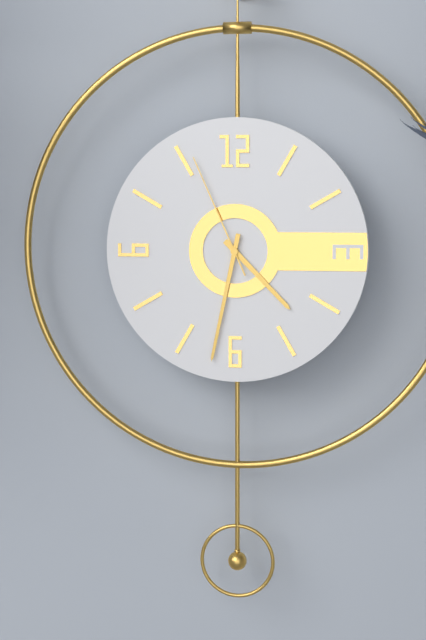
**4:32:56**
